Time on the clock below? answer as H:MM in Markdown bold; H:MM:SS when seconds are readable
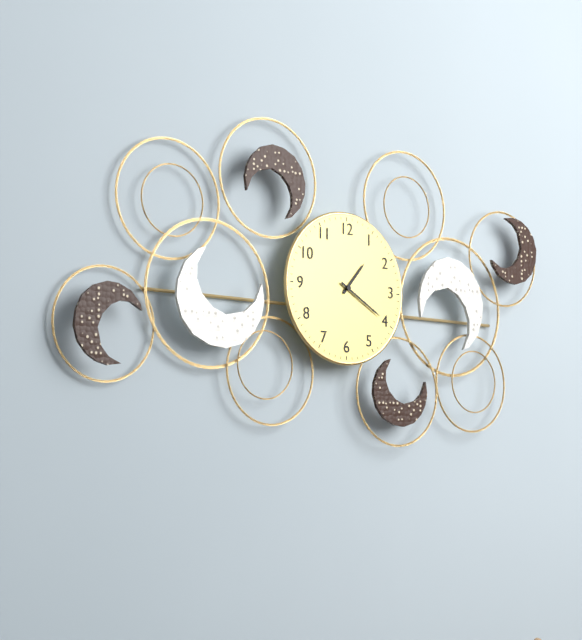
**1:20**
